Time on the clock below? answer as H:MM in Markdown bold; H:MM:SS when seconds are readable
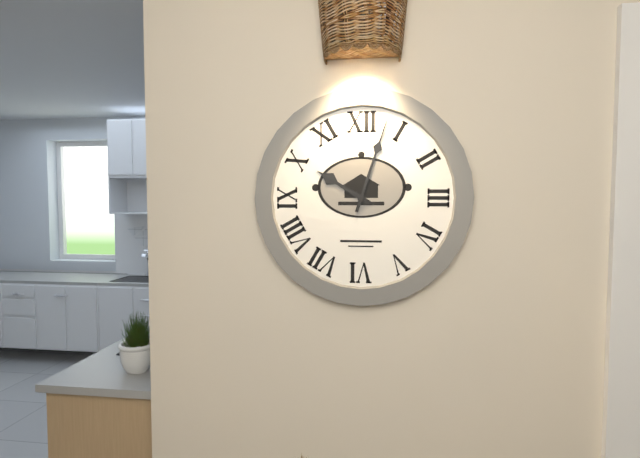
**10:03**
